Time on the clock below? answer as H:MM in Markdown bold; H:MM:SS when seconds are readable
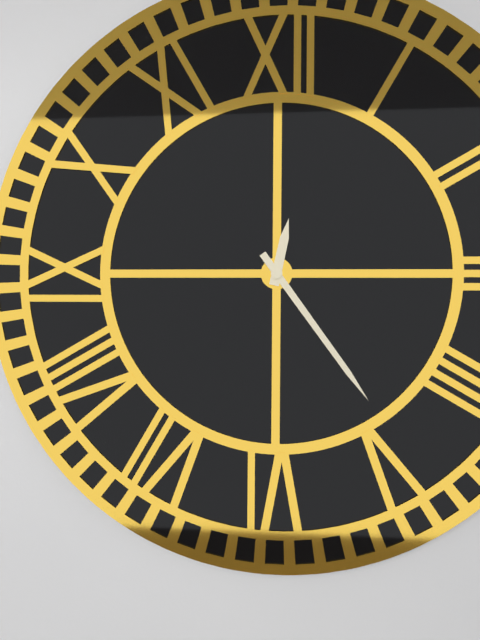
**12:24**
